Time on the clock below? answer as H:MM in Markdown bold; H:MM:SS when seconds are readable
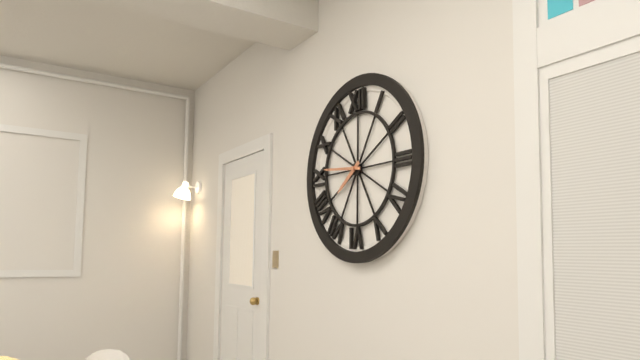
**7:46**
